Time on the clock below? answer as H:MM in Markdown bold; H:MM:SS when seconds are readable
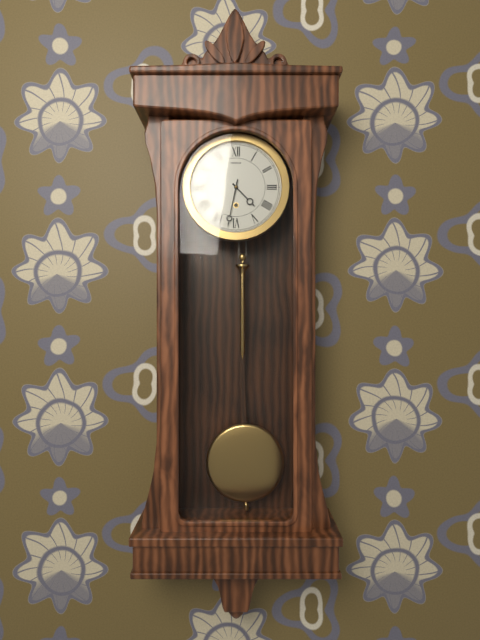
**4:32**
